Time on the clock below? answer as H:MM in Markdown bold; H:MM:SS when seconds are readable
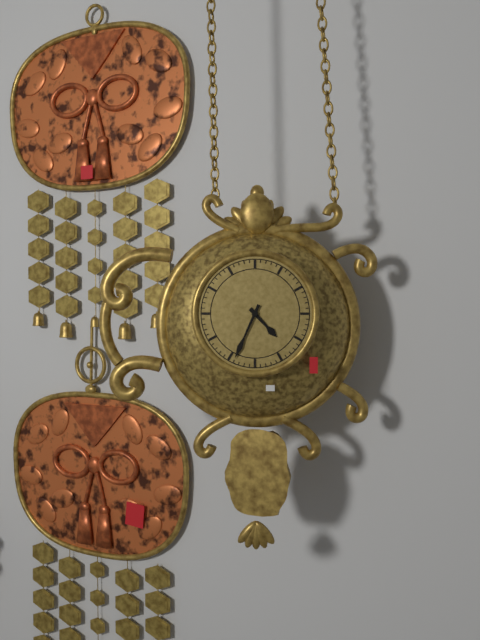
**4:34**
